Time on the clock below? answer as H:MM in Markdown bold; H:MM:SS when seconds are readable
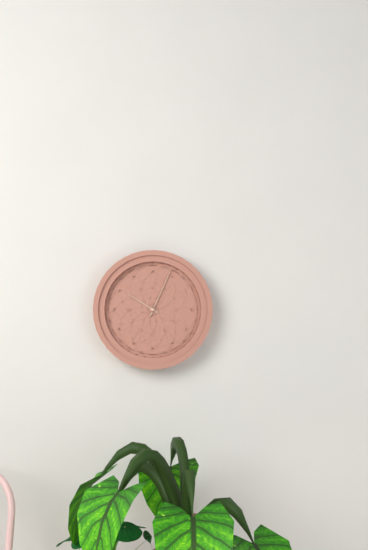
**10:04**
